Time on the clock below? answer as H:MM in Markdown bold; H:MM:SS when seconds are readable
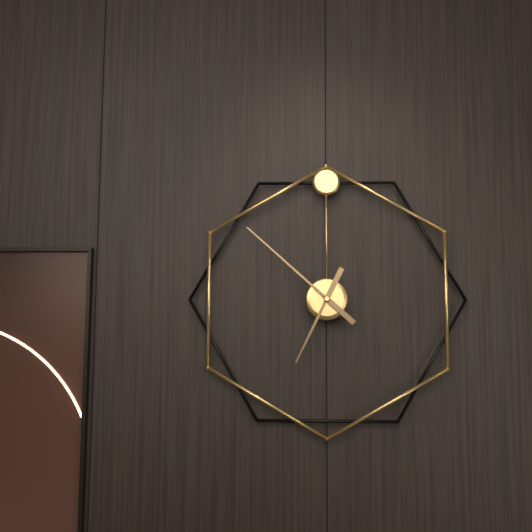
**6:52**
